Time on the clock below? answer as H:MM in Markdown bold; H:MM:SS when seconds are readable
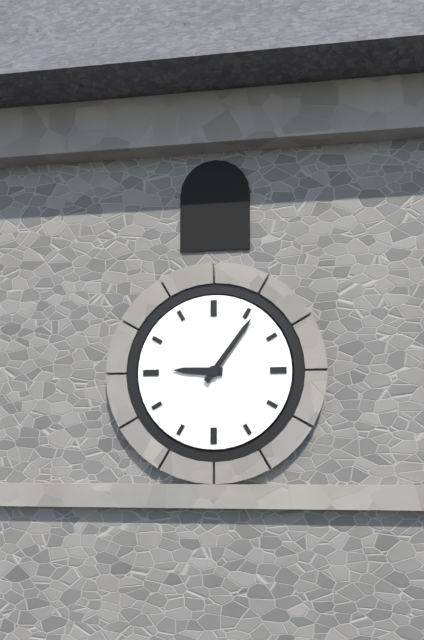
**9:06**
